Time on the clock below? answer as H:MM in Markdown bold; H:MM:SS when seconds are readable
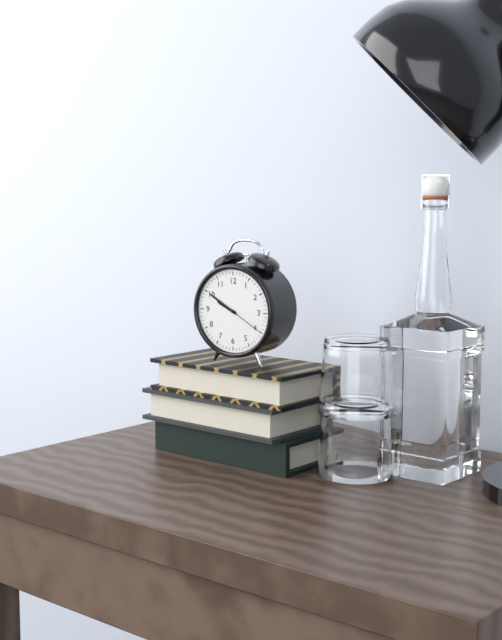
**9:50**
